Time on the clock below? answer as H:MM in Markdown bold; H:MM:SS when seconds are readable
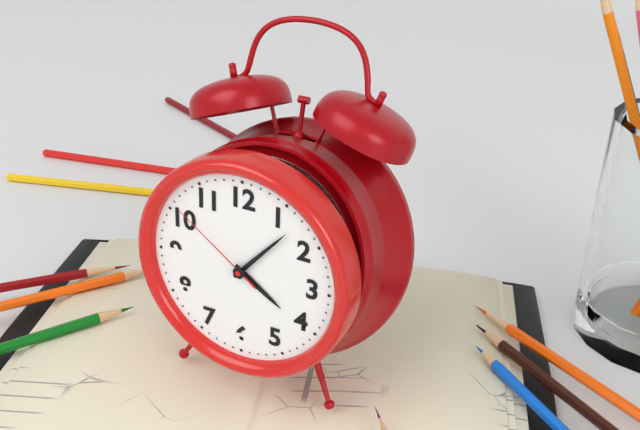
**4:07:51**
